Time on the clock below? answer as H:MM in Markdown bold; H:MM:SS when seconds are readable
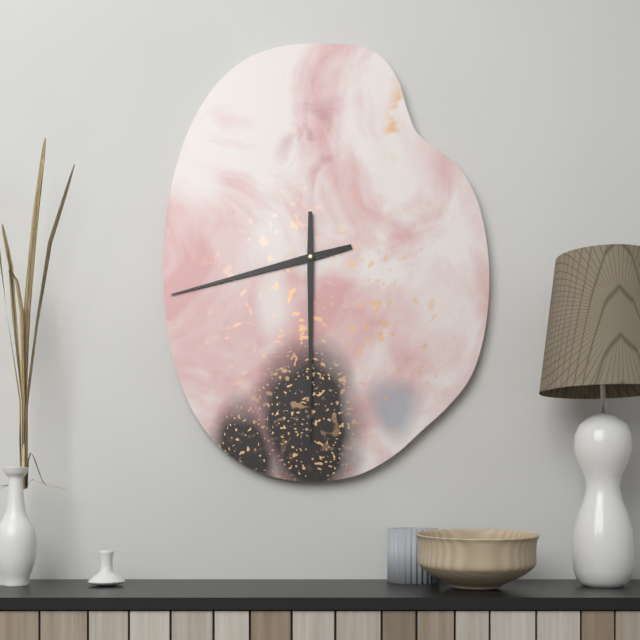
**8:30**
